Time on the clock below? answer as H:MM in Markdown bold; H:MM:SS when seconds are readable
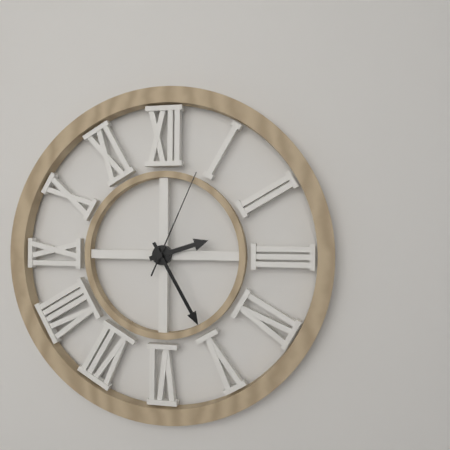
**2:25:04**
